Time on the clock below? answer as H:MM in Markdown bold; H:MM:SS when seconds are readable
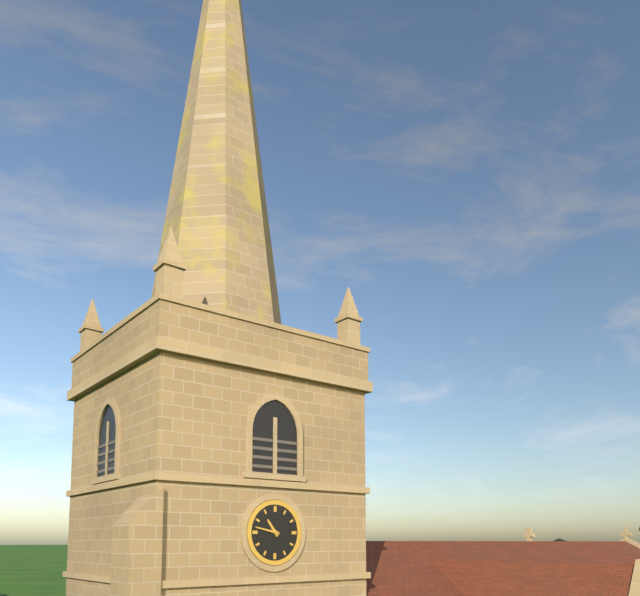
**10:47**
